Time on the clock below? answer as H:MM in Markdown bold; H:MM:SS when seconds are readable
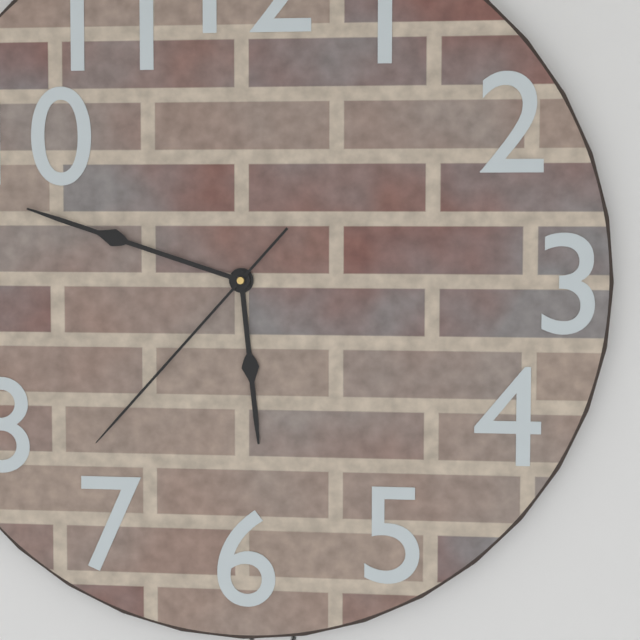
**5:48:37**
